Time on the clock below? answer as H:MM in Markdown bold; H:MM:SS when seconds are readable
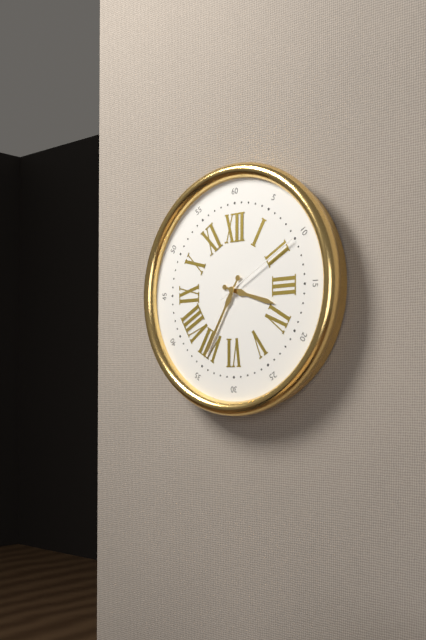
**3:35:10**
